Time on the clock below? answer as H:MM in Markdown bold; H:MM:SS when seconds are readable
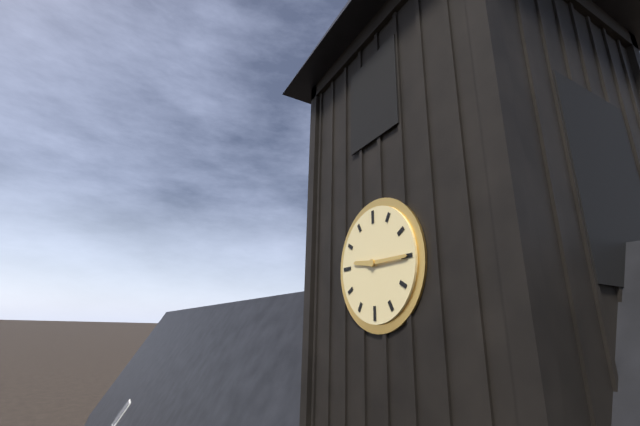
**9:15**
